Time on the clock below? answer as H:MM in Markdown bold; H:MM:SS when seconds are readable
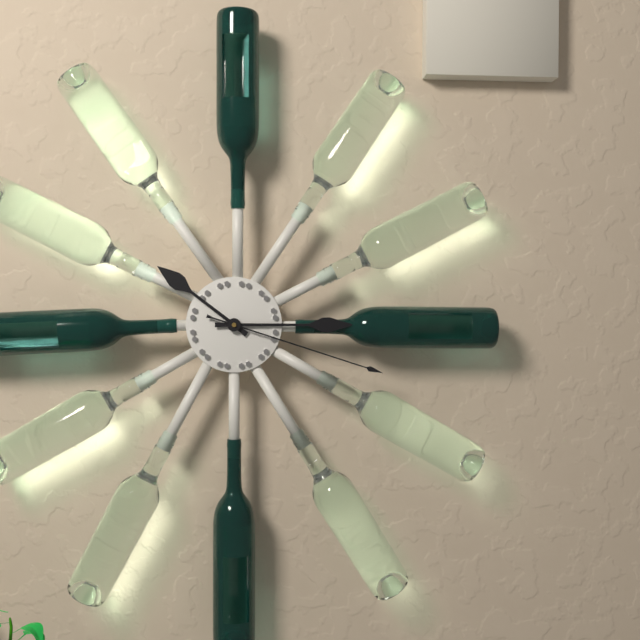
**10:15:18**
